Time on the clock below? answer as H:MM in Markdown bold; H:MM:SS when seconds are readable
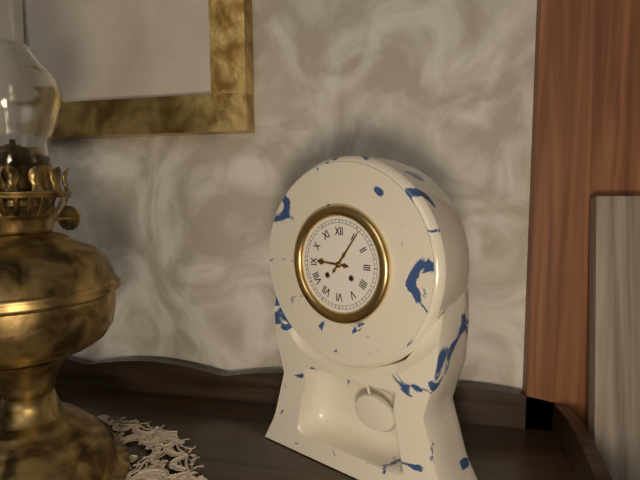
**9:06**
